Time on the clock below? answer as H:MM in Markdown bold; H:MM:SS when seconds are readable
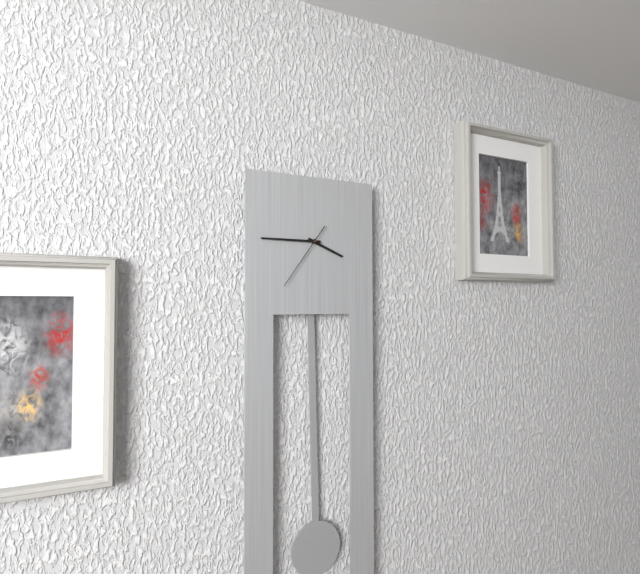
**3:45:36**
